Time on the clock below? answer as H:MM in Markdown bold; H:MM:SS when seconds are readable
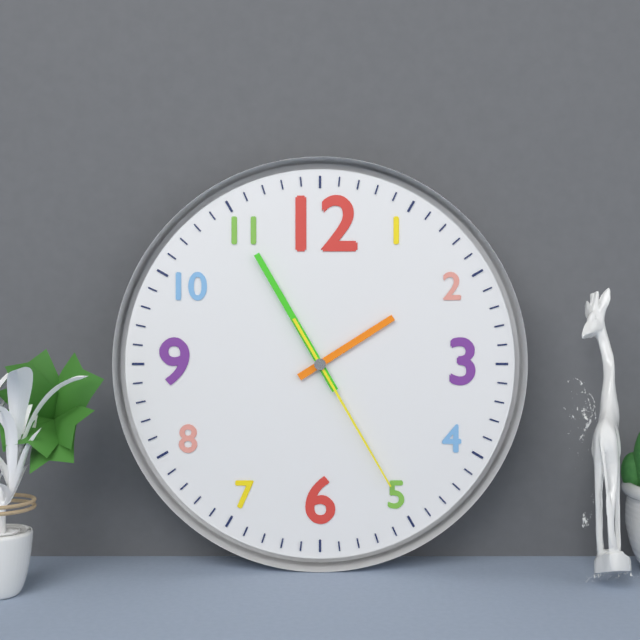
**1:55:25**
